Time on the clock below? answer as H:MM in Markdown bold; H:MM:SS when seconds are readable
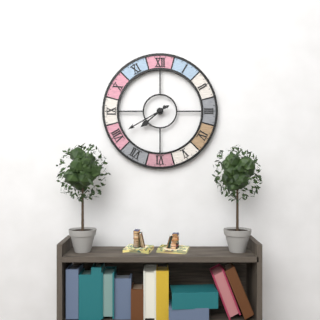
**7:40**
